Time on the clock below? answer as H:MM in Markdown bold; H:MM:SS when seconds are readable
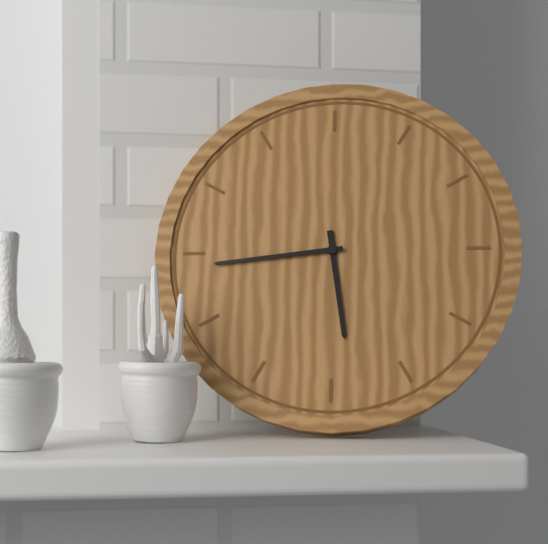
**5:44**
